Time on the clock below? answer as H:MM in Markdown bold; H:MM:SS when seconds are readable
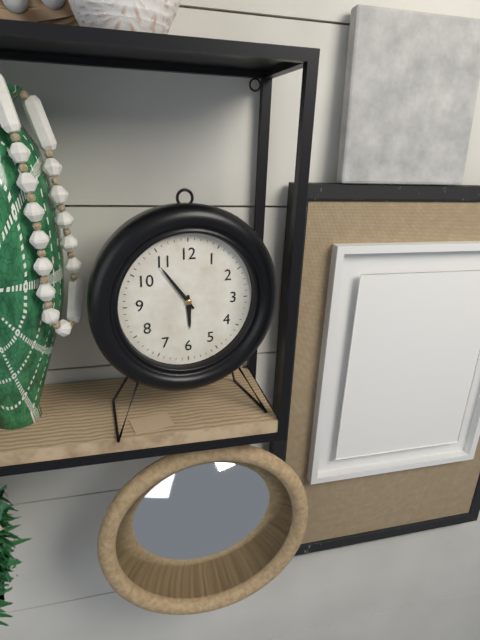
**5:54**
